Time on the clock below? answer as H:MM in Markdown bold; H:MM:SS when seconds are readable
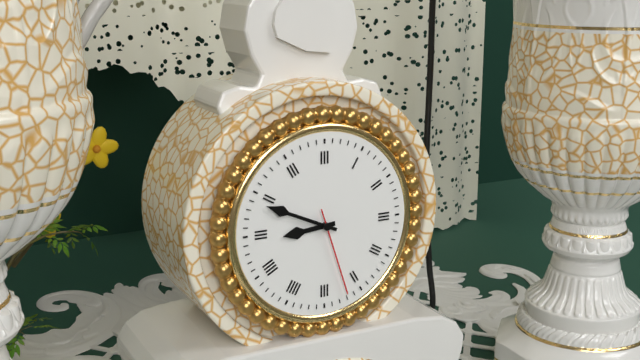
**8:49:27**
